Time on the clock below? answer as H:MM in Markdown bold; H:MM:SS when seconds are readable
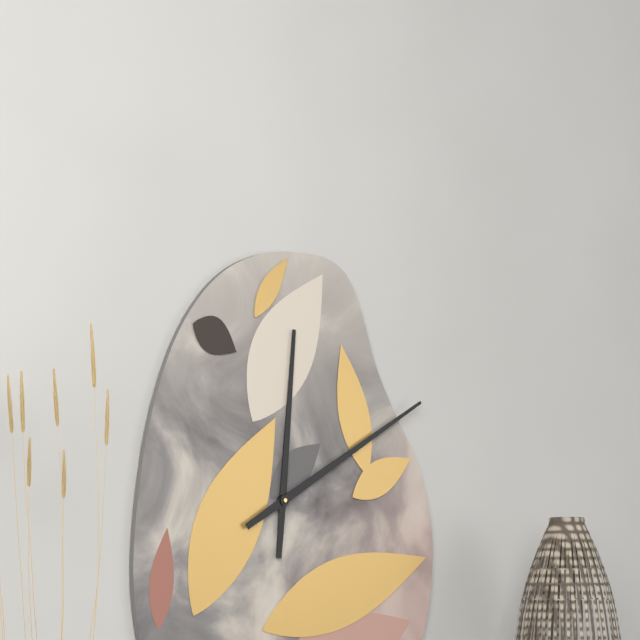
**12:10**
